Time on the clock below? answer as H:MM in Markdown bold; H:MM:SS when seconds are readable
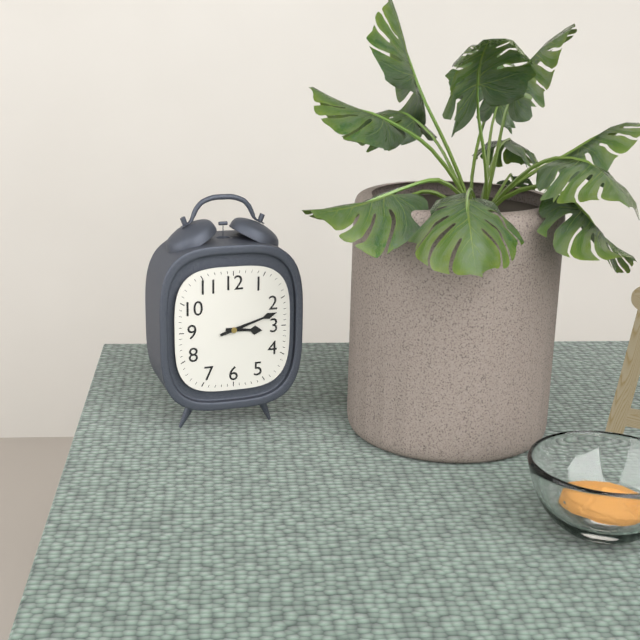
**3:12**
